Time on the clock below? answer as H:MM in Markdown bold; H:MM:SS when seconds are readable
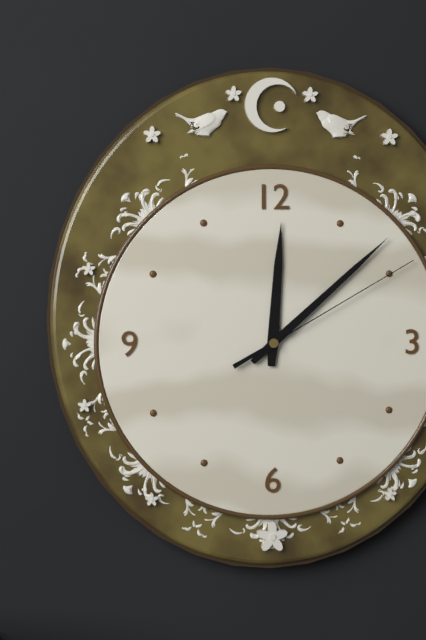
**12:08:10**
